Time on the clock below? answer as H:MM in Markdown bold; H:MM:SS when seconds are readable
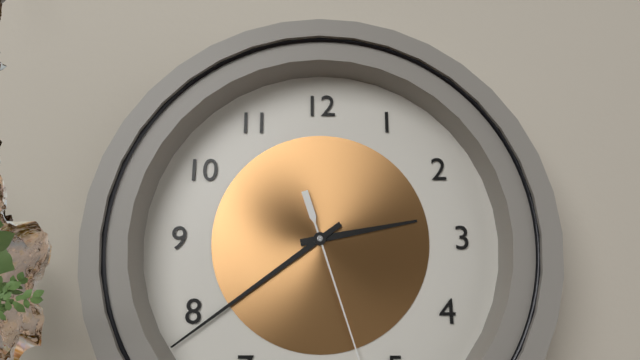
**2:39**
